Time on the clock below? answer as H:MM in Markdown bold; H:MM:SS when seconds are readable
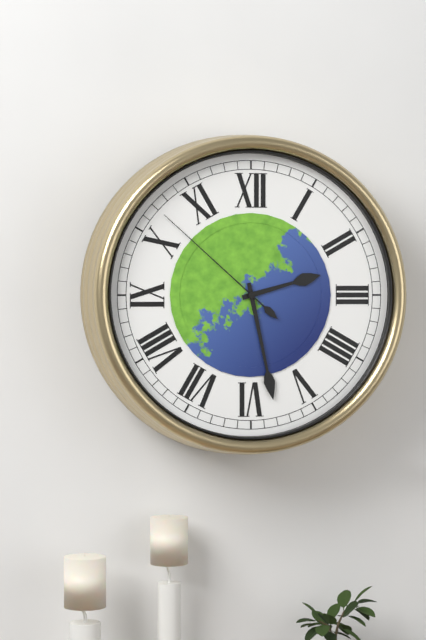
**2:28:52**
